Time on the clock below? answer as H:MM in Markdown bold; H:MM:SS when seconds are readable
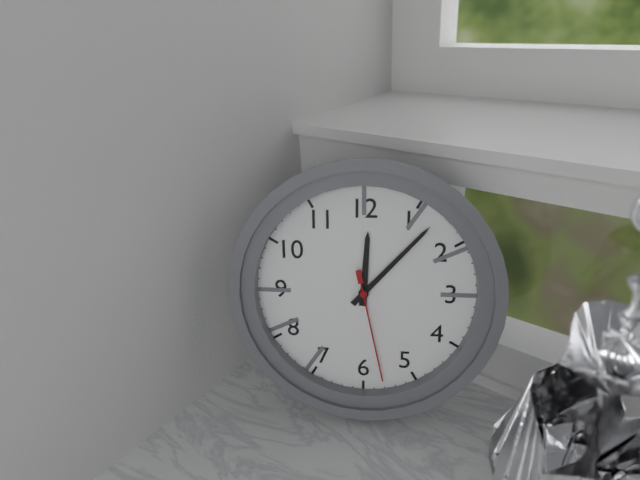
**12:07:28**
